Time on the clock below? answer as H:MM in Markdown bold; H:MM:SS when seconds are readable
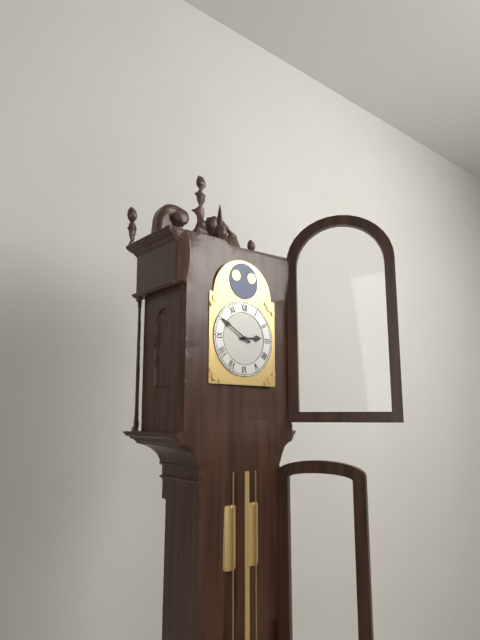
**2:50**
